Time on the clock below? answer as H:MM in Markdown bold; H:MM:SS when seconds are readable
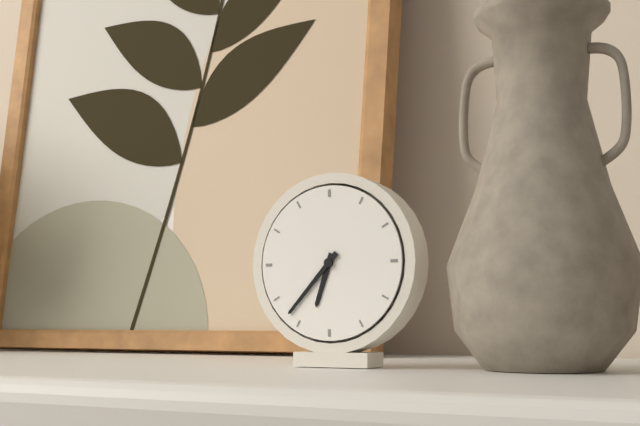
**6:37**
